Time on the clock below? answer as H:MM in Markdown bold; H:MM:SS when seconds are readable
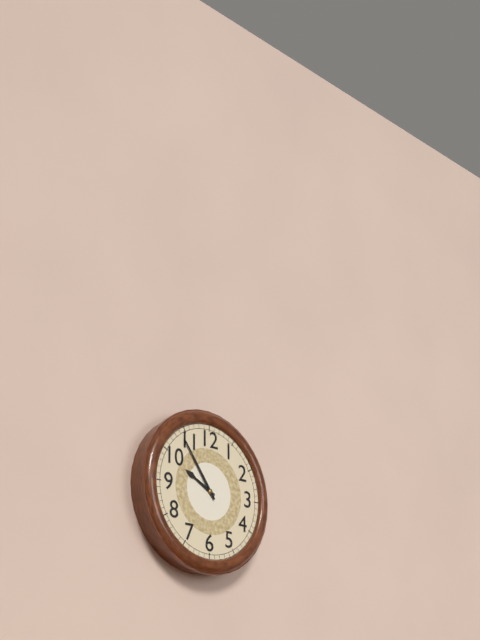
**9:54**
